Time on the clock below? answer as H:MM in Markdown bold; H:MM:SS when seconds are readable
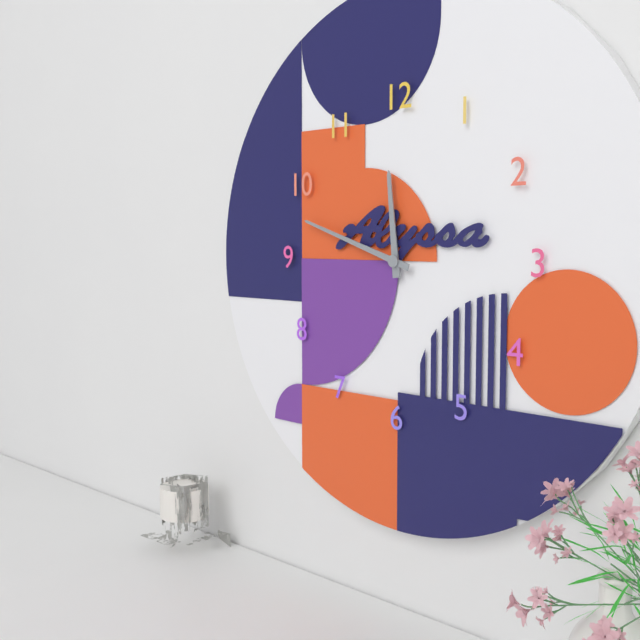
**11:48**
